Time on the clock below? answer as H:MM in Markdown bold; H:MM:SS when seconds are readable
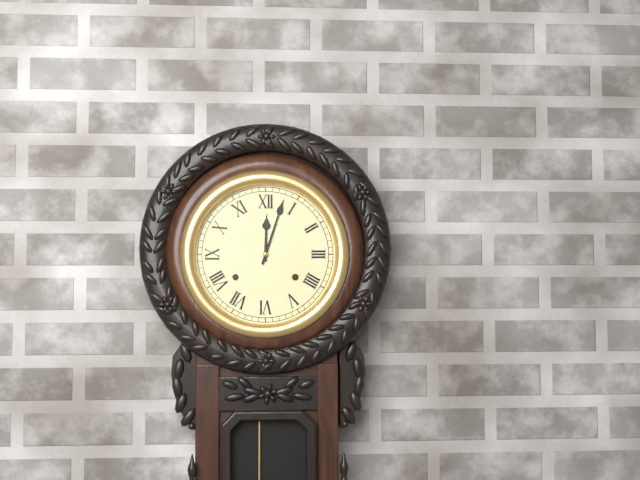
**12:03**
